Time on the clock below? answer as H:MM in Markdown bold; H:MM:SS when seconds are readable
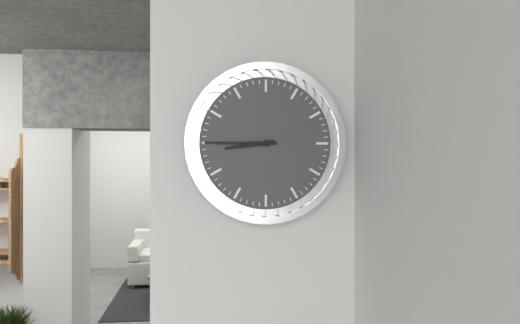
**8:45**
